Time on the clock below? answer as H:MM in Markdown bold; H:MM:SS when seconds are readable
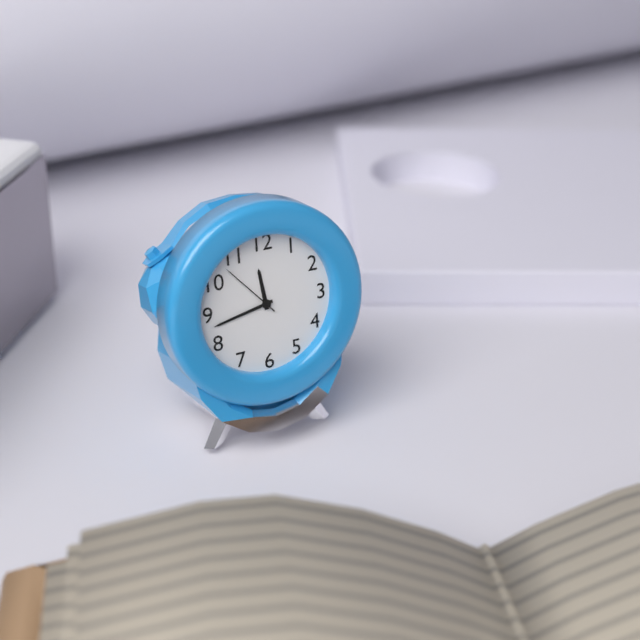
**11:43:53**
